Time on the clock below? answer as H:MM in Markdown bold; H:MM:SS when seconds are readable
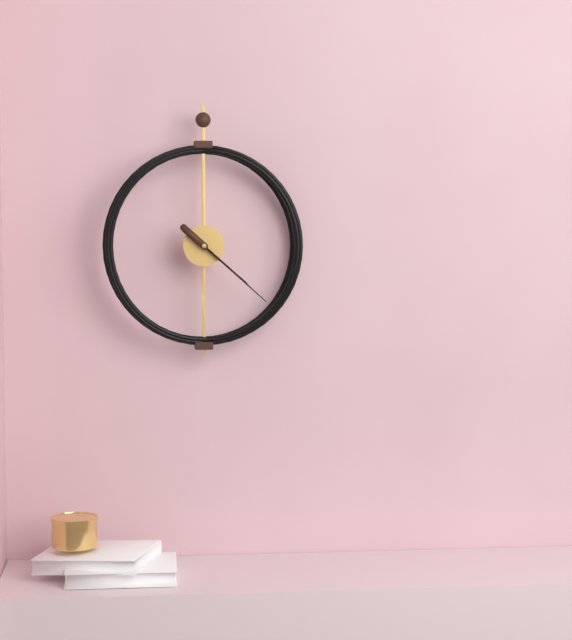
**4:22**
